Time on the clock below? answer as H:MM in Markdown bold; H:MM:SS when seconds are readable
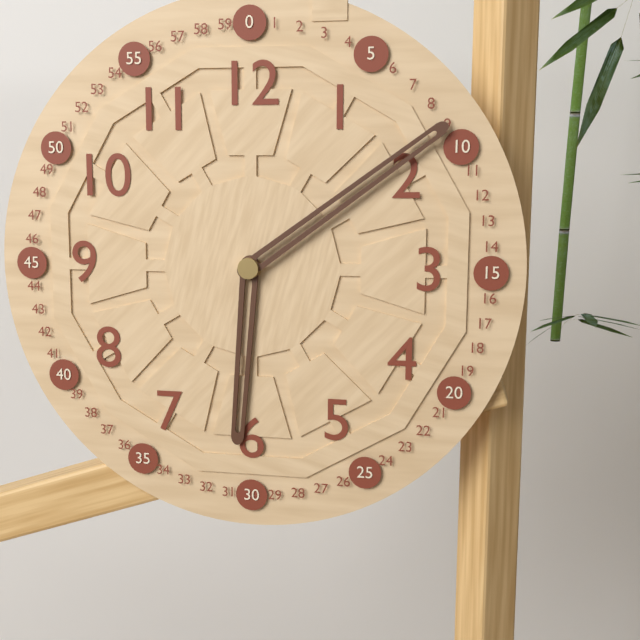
**6:09**
